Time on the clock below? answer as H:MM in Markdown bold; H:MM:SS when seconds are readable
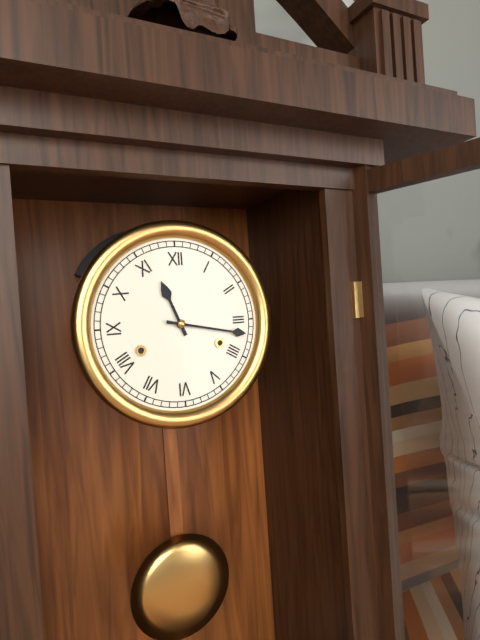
**11:17**
